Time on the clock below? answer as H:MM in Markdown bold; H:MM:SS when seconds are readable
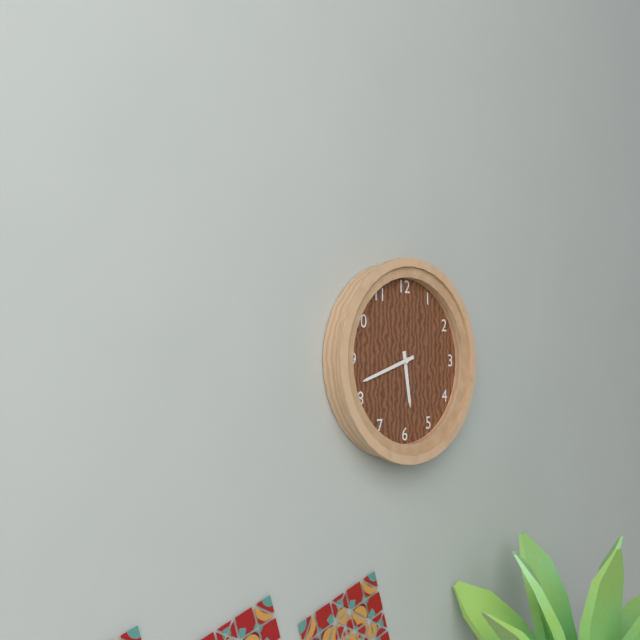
**5:42**
